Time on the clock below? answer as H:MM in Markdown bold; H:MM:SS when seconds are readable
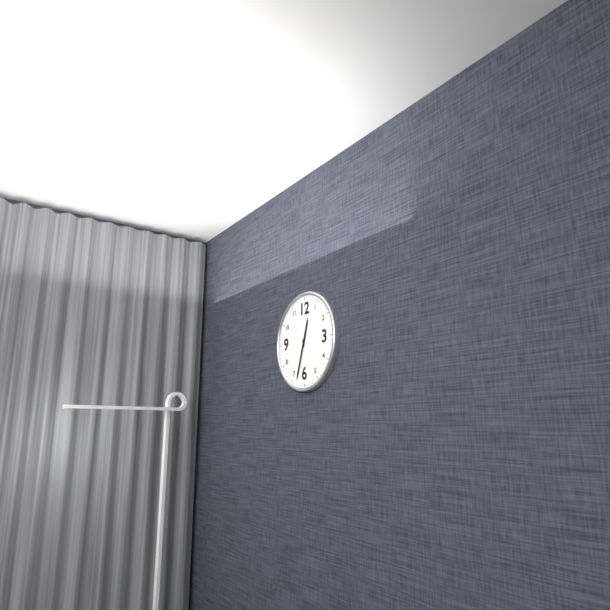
**12:33**
